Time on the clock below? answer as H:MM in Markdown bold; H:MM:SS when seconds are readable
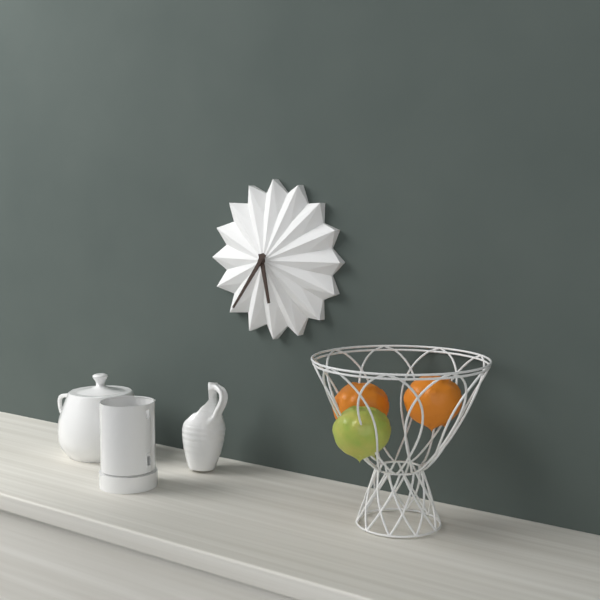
**5:36**
